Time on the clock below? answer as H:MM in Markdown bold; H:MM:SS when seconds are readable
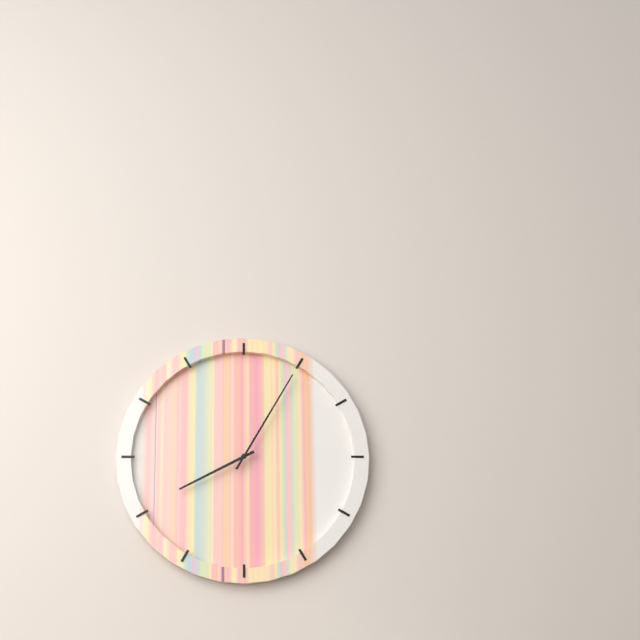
**8:05**
